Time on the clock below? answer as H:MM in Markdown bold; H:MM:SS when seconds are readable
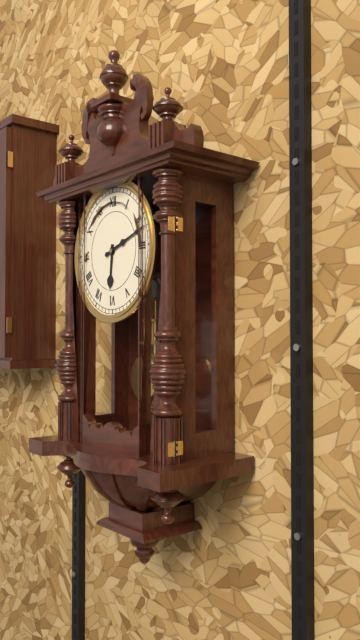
**6:12**
